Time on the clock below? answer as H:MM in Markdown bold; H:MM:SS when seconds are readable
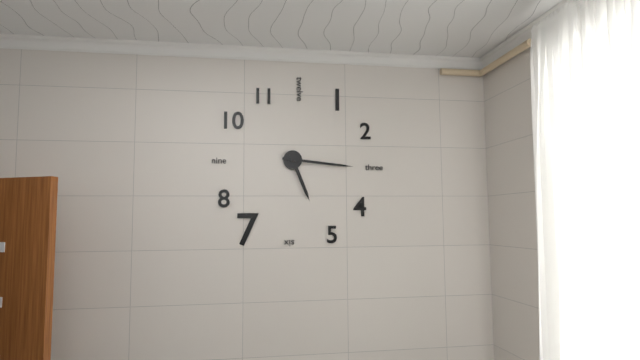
**5:16**
